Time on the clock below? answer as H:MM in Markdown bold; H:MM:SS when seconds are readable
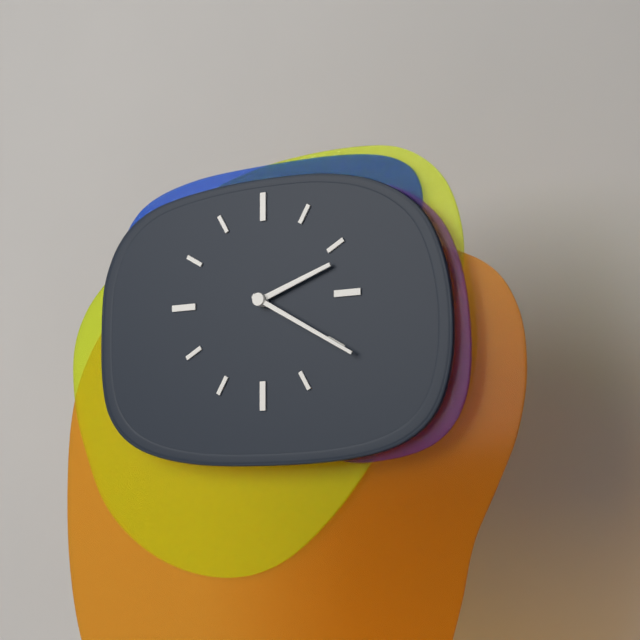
**2:20**
